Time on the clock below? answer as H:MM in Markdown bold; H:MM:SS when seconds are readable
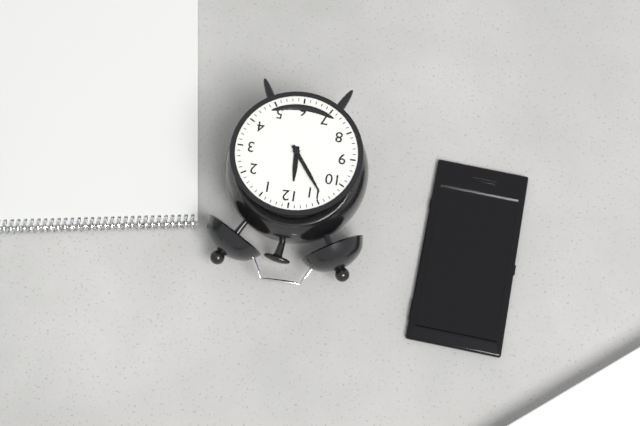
**11:54**
